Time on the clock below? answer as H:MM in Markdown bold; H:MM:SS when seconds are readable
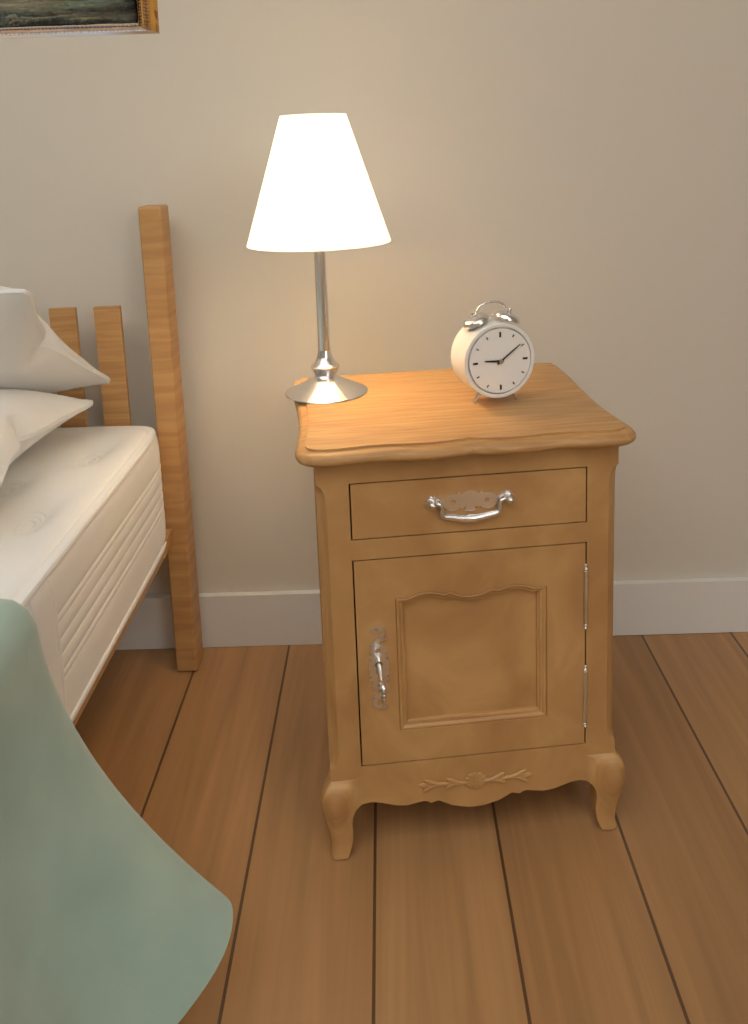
**9:09**
